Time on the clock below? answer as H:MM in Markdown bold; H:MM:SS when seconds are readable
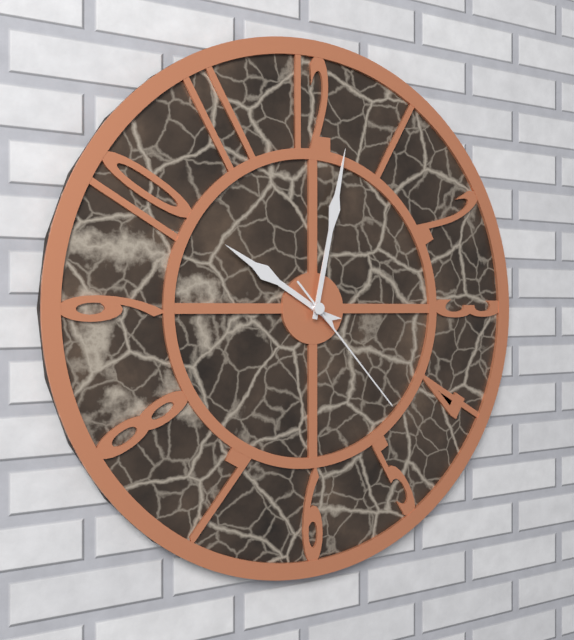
**10:02:23**
